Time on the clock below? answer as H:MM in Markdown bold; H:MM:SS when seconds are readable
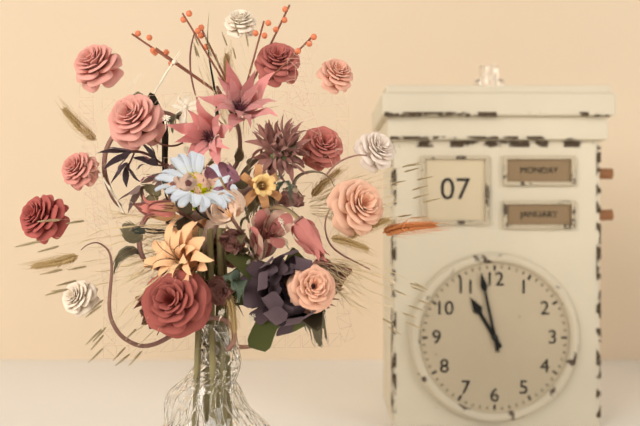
**10:58**
